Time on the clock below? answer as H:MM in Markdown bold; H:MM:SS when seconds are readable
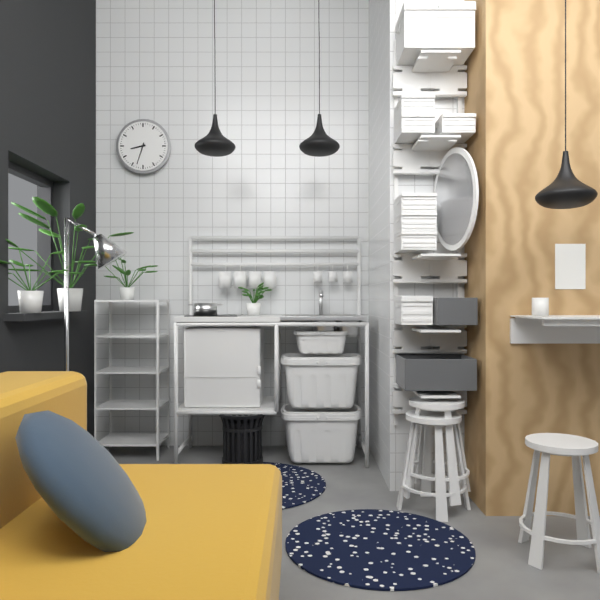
**8:33**
